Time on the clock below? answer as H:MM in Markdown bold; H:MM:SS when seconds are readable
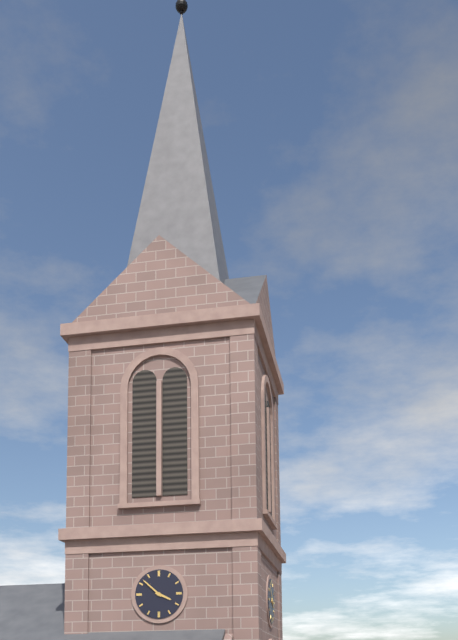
**3:52**
